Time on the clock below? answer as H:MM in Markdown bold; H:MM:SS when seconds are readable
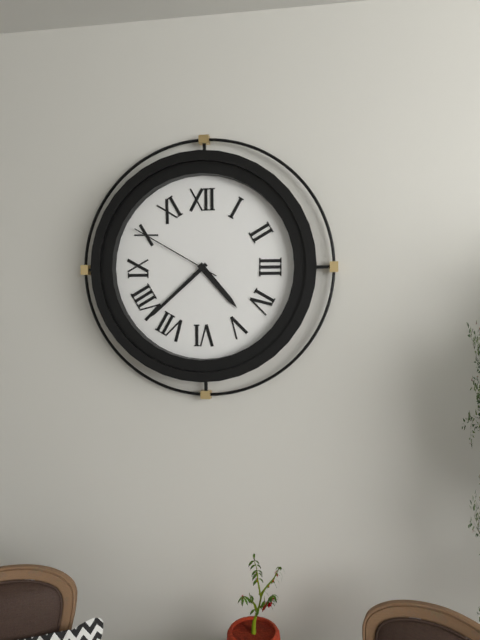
**4:38:50**
